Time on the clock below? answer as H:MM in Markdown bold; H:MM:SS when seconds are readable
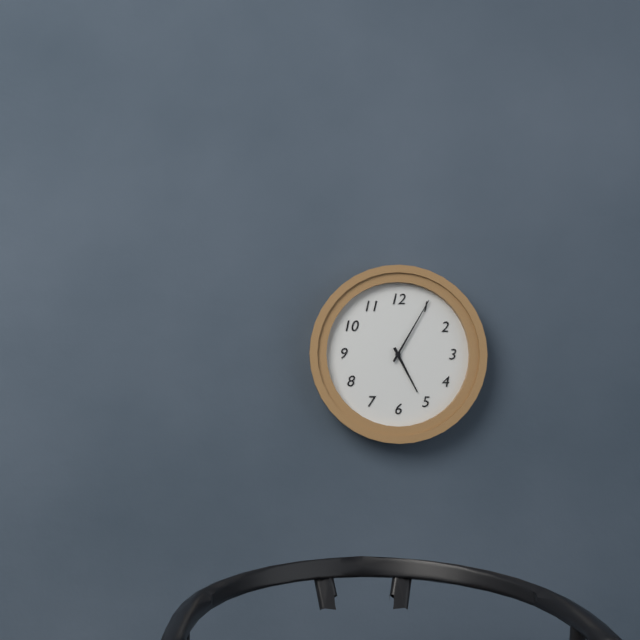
**5:05**
